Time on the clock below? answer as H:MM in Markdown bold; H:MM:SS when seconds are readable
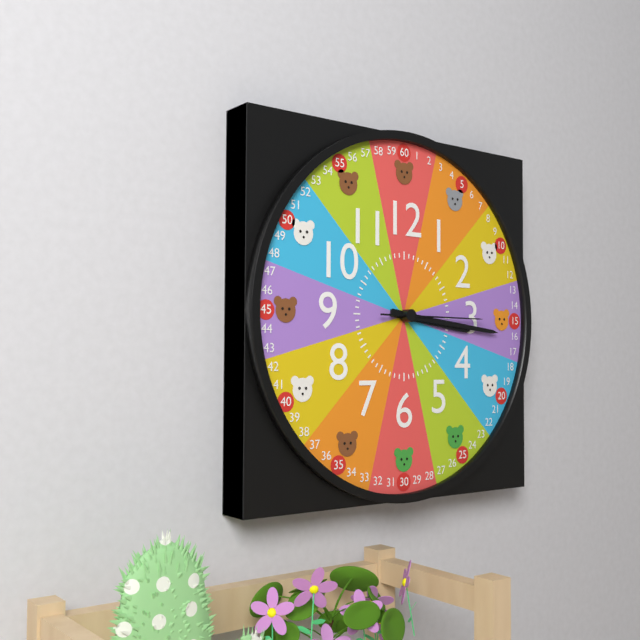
**3:16:15**
